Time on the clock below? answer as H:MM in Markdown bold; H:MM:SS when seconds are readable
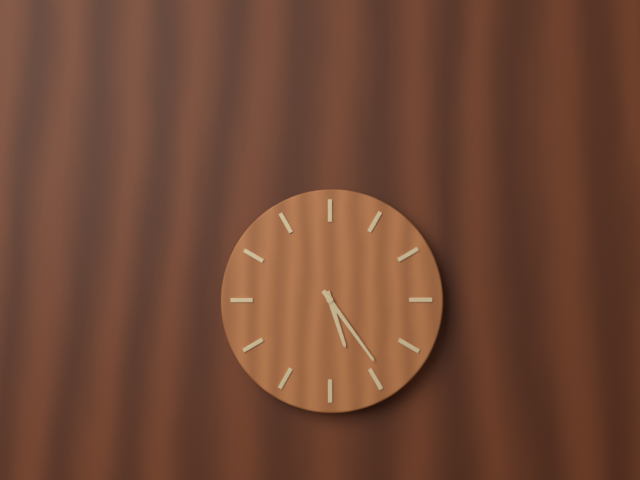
**5:24**
